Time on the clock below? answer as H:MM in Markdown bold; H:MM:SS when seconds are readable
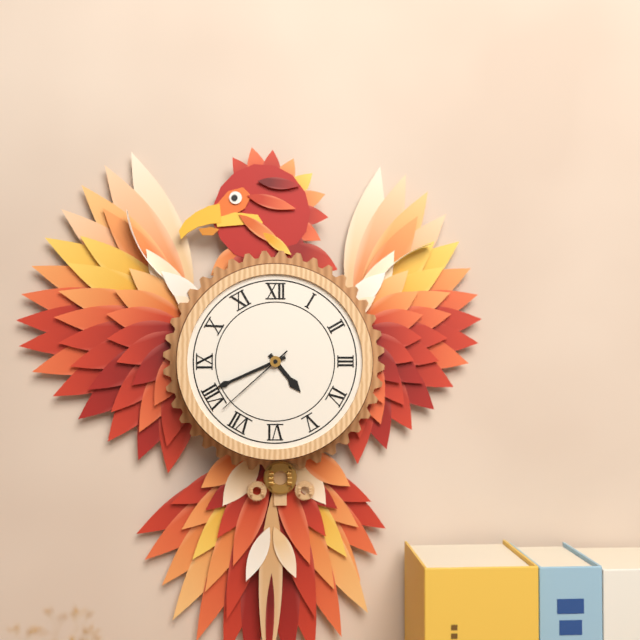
**4:41:38**
